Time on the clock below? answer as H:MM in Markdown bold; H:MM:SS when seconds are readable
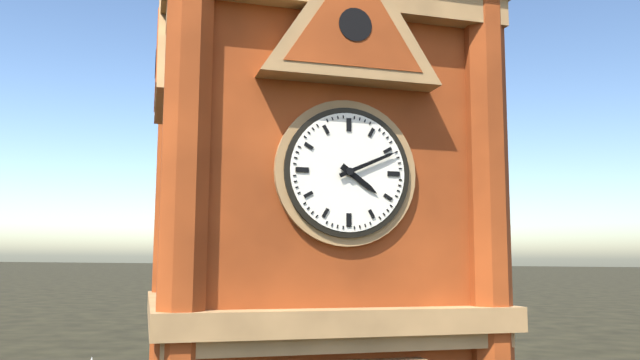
**4:11**
